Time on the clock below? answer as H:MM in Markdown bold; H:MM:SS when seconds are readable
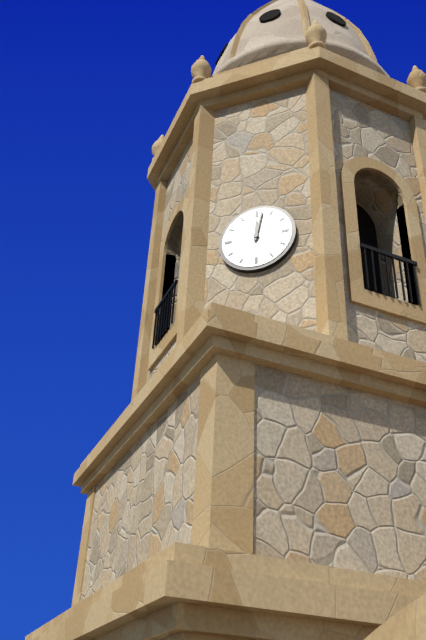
**12:02**
